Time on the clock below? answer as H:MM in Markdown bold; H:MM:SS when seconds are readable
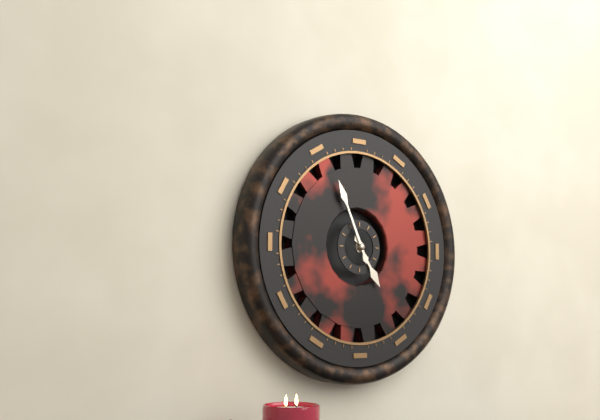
**4:56**
